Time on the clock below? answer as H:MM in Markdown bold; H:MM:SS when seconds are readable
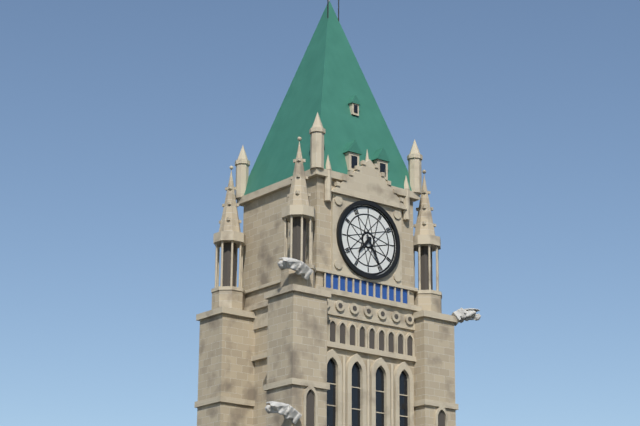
**7:25**
